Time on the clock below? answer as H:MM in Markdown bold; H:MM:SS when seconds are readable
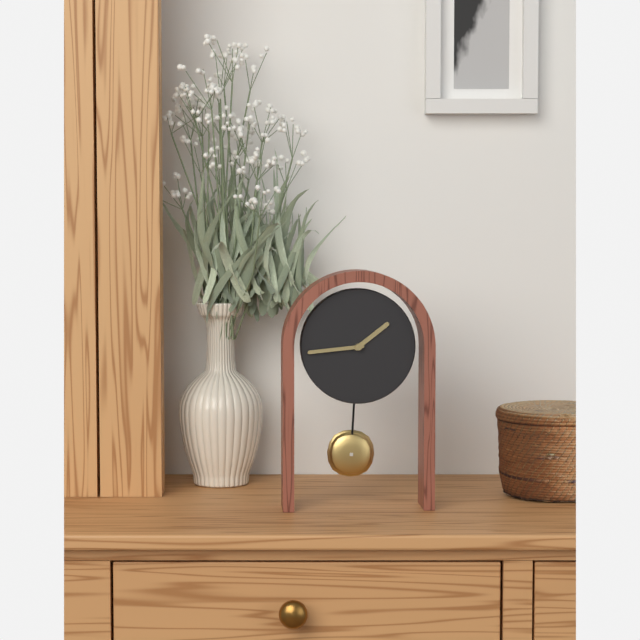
**1:44**
